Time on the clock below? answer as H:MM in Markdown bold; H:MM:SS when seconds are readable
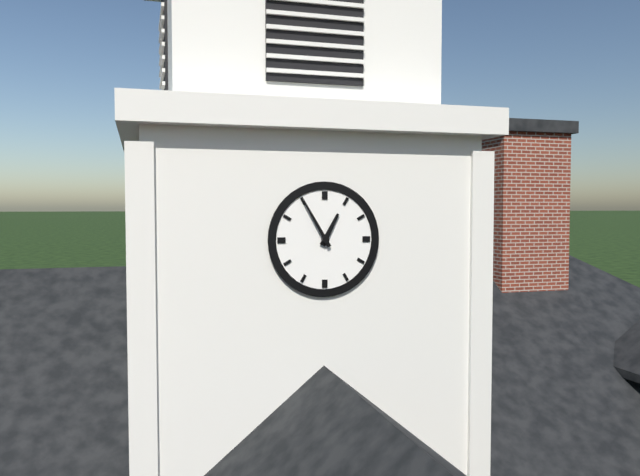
**12:55**
